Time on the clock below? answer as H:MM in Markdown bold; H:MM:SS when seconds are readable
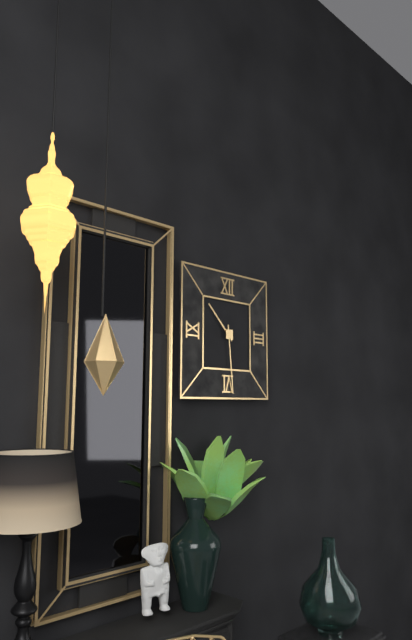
**10:29**
